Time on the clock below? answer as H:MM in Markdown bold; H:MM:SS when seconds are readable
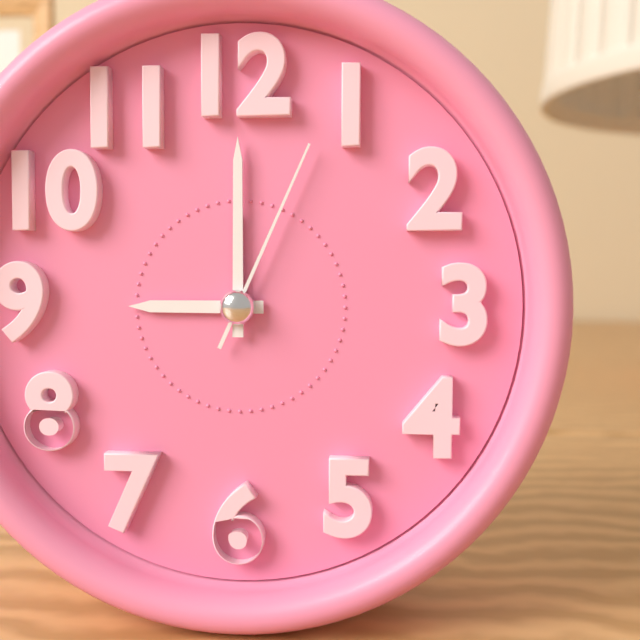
**9:00:04**
